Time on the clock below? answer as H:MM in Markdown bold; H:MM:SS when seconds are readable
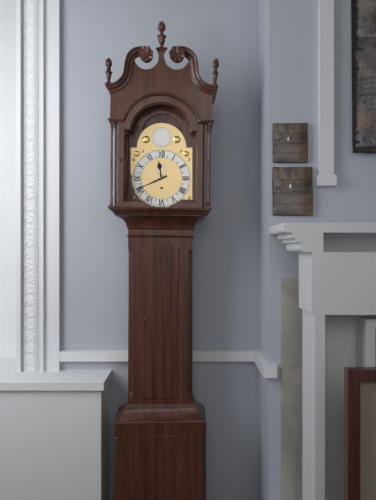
**11:41**
